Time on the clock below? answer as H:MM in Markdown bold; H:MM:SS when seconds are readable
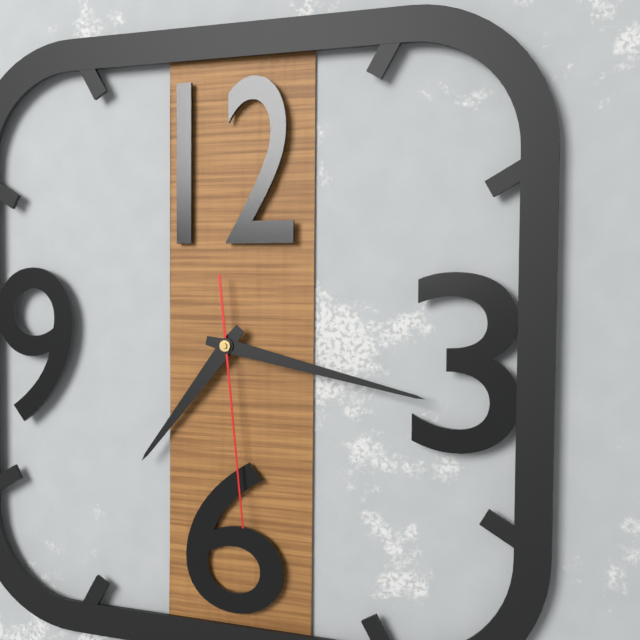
**7:17:29**
